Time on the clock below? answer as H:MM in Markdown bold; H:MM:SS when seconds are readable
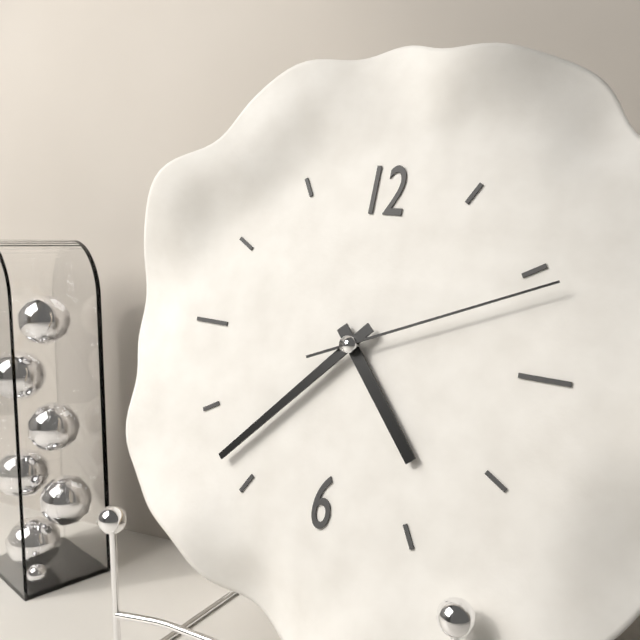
**4:37:11**
